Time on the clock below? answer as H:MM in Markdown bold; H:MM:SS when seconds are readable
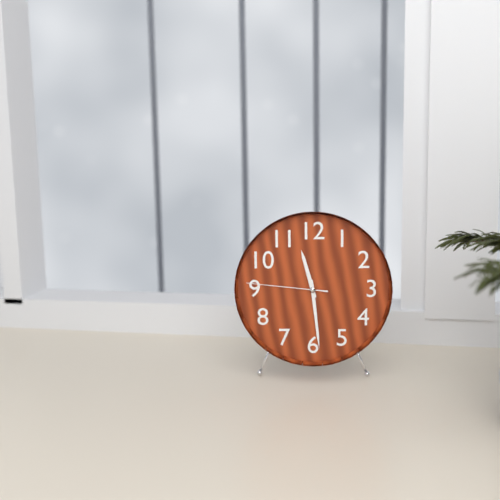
**11:29:46**
